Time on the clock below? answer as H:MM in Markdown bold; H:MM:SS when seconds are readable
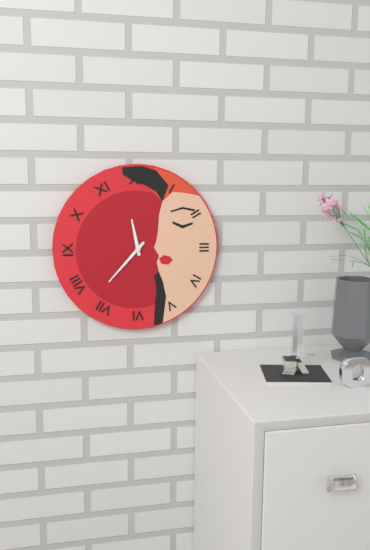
**11:37**
